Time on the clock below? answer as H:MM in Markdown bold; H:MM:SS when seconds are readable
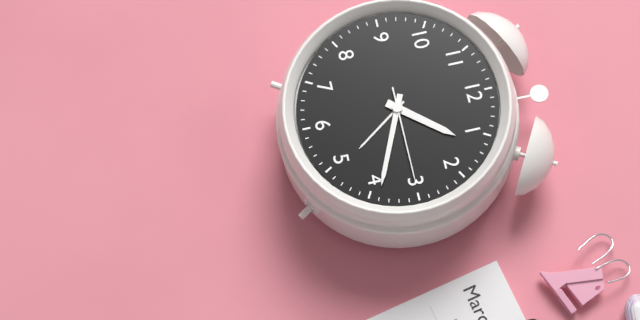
**1:19:15**
